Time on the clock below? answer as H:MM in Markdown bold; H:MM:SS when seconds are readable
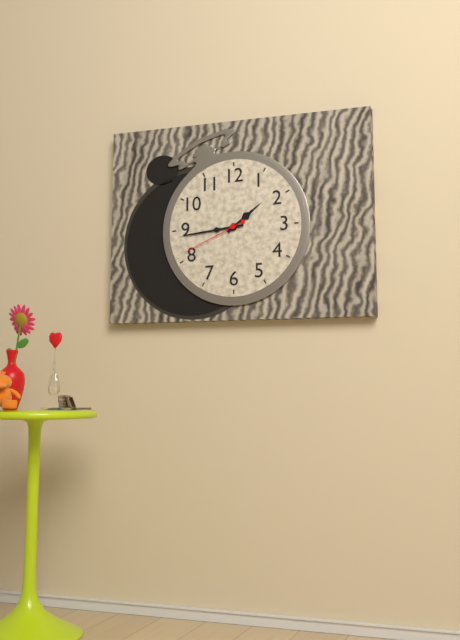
**1:44:41**
